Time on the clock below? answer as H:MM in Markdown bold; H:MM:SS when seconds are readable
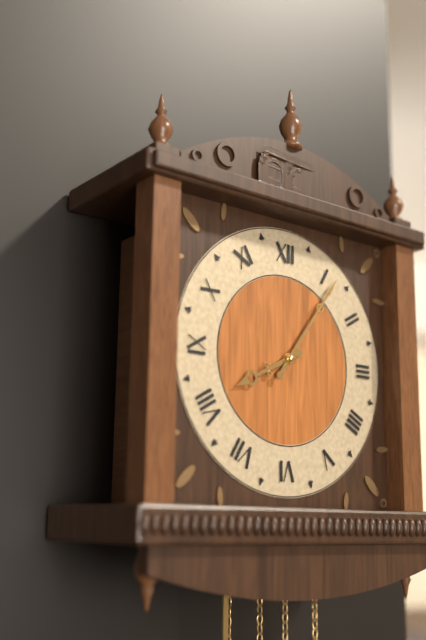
**8:06**
